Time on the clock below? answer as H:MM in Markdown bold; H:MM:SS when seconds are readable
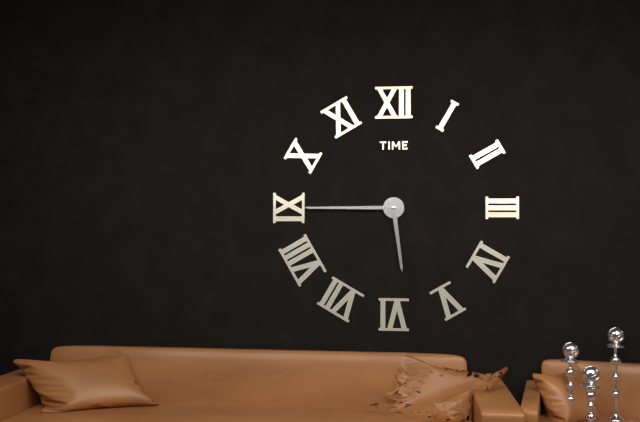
**5:45**
